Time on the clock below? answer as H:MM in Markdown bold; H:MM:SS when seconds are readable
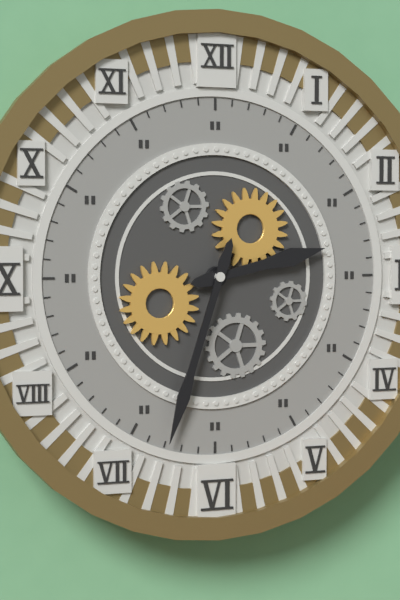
**2:33**
